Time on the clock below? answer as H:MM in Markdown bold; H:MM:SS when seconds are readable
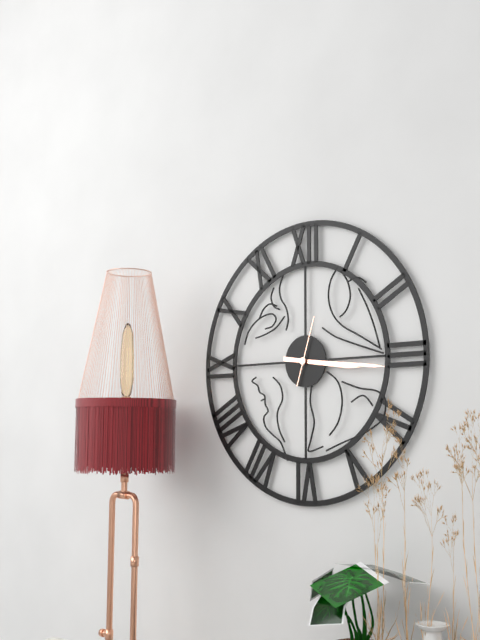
**3:16:03**
